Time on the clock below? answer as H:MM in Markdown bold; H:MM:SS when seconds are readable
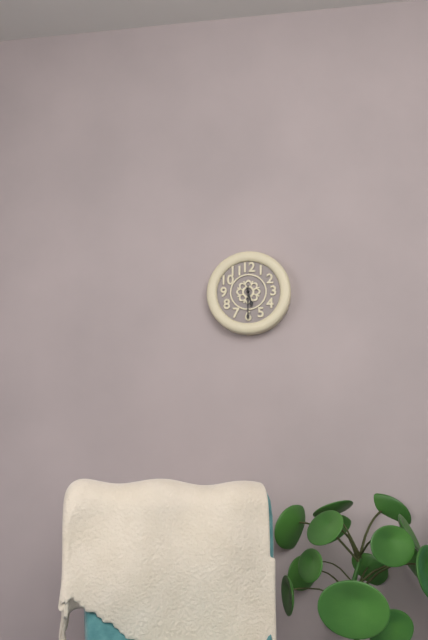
**5:30**
